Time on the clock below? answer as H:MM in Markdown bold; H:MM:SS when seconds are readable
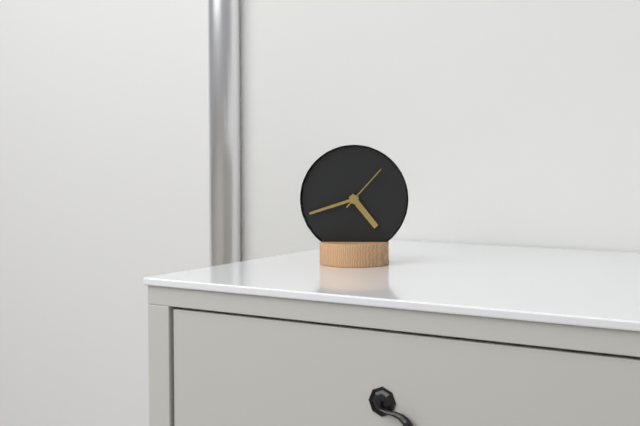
**4:42:07**
